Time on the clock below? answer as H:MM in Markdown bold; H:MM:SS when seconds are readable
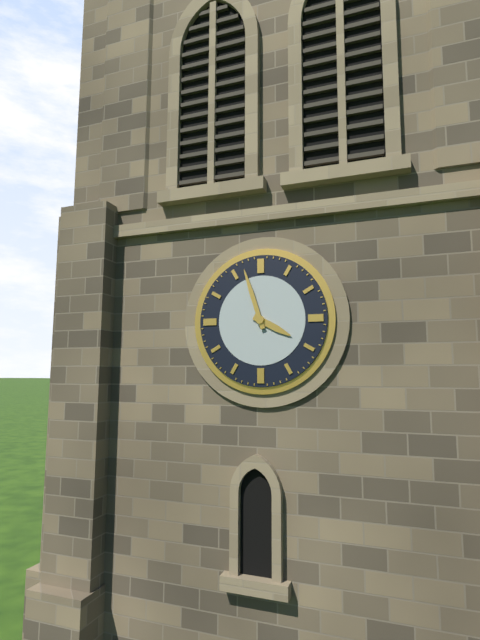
**3:57**
